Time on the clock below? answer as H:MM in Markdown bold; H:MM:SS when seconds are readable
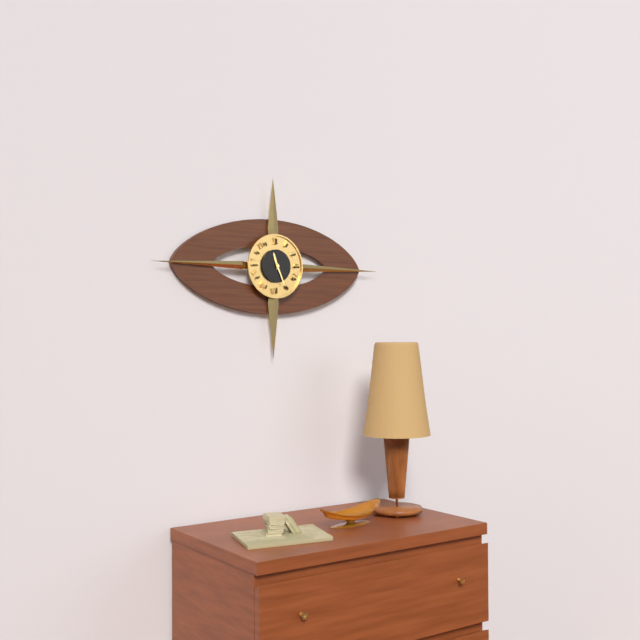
**11:26**
